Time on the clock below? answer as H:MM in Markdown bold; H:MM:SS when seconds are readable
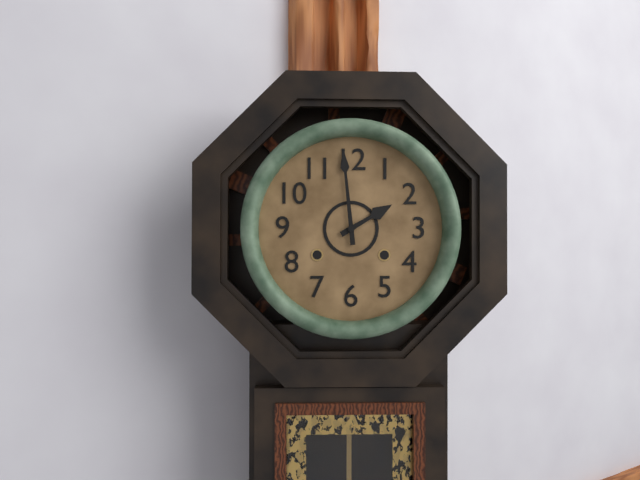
**1:59**
